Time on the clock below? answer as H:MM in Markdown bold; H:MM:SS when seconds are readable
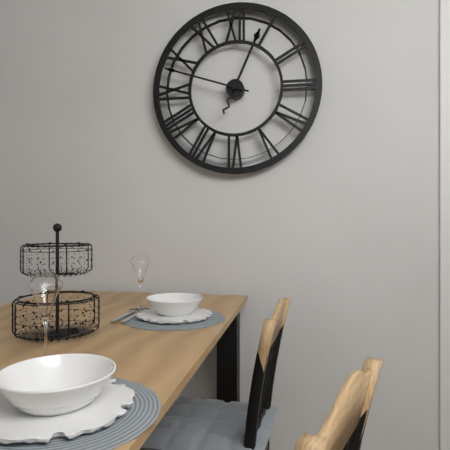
**12:48**
